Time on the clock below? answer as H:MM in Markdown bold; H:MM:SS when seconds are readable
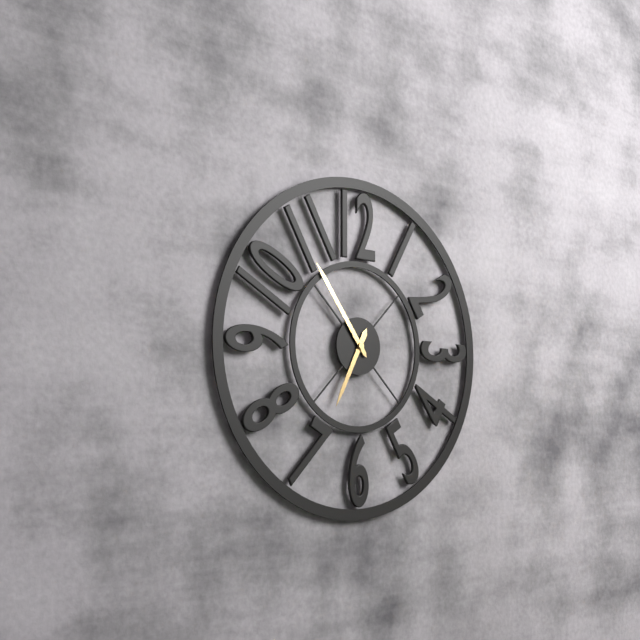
**6:54**
